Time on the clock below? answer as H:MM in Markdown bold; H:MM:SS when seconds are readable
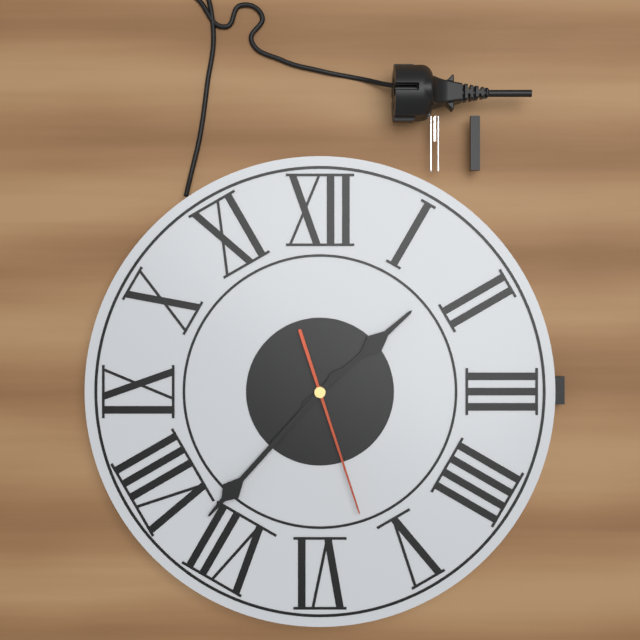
**1:37:27**
